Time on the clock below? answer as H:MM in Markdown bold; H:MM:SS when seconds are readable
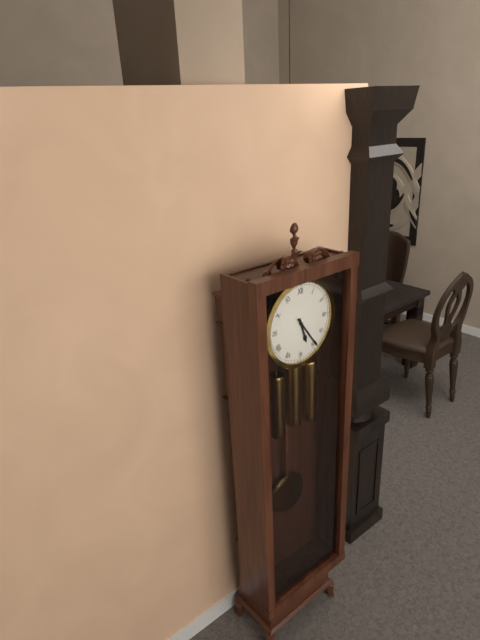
**5:24**
